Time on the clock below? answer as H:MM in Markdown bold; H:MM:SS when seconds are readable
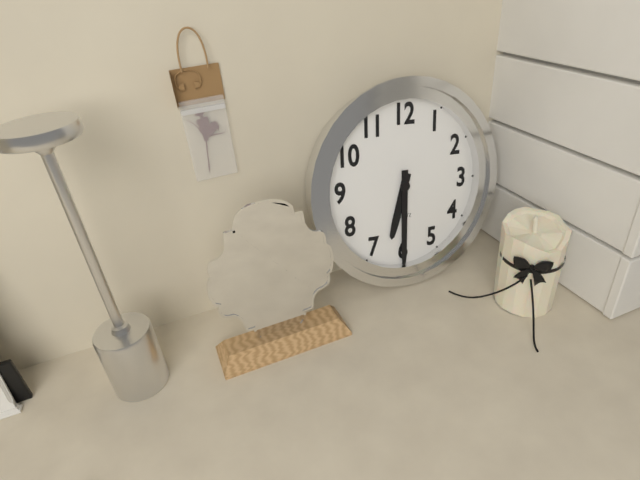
**6:30**
